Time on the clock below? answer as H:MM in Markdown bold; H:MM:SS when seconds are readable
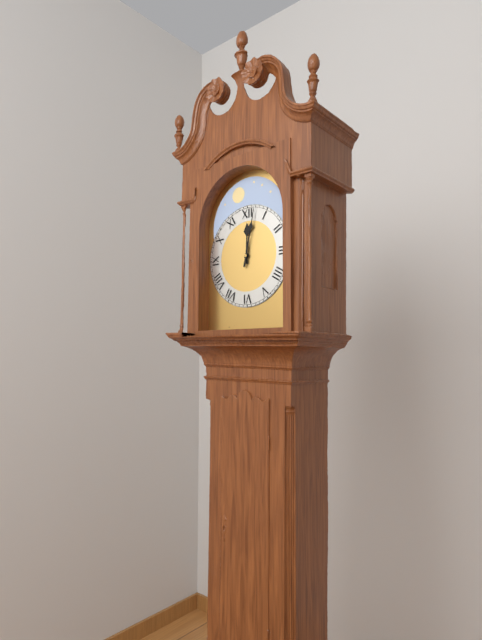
**12:02**
